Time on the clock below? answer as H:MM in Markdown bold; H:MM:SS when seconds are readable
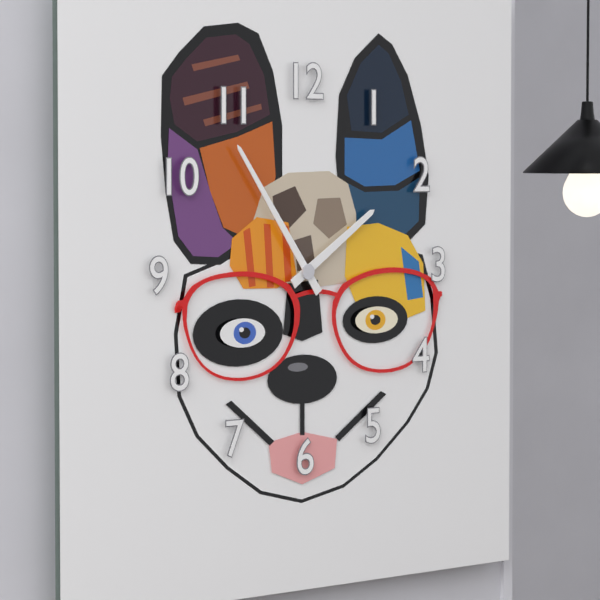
**1:54**
